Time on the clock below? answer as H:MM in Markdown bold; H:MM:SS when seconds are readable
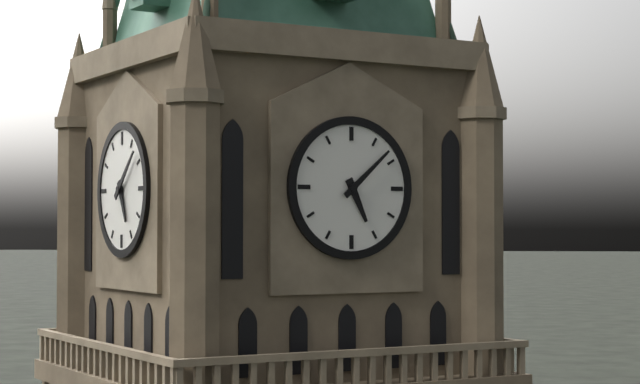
**5:08**
